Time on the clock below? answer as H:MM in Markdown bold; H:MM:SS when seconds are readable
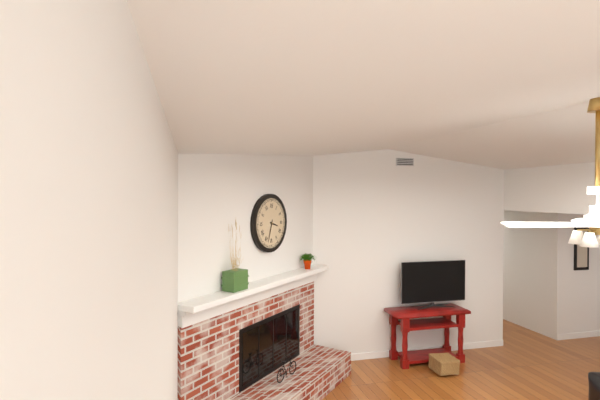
**3:33**
